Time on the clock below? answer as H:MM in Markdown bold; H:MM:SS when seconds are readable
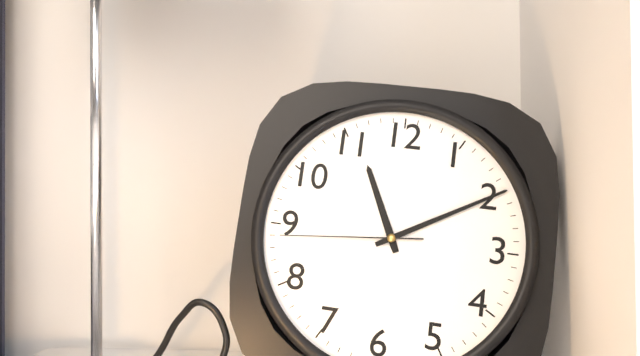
**11:10:44**
